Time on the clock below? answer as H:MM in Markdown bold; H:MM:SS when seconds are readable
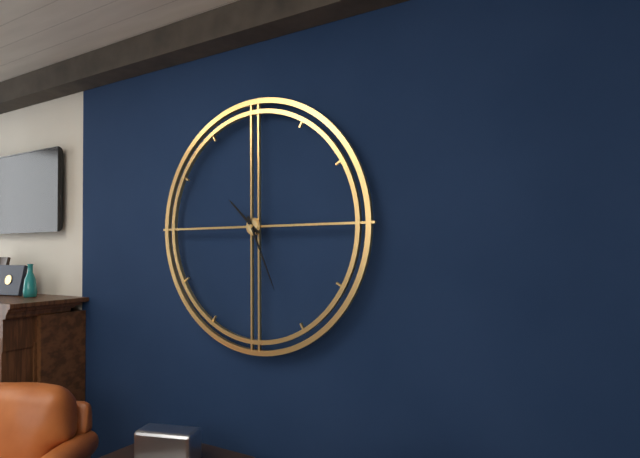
**10:26**
